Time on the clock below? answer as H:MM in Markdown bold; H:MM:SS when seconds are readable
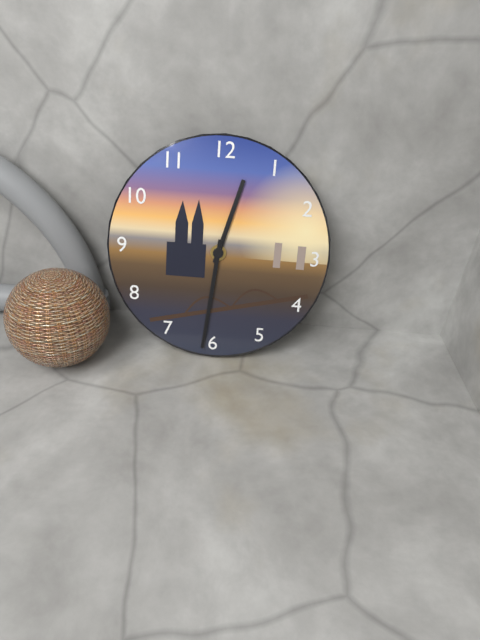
**12:31**
